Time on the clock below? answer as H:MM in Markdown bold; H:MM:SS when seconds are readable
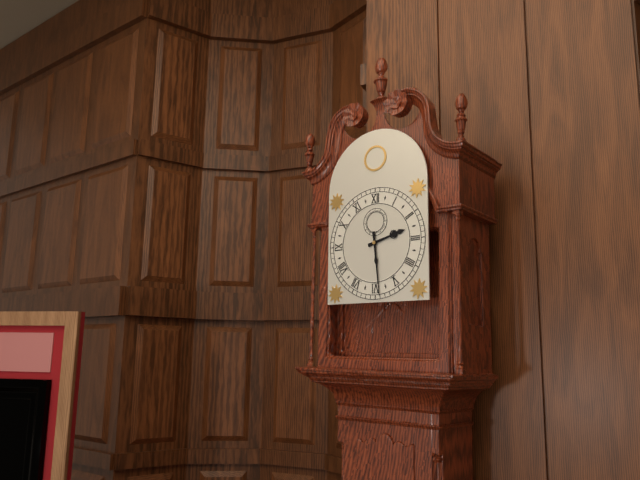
**2:29**
